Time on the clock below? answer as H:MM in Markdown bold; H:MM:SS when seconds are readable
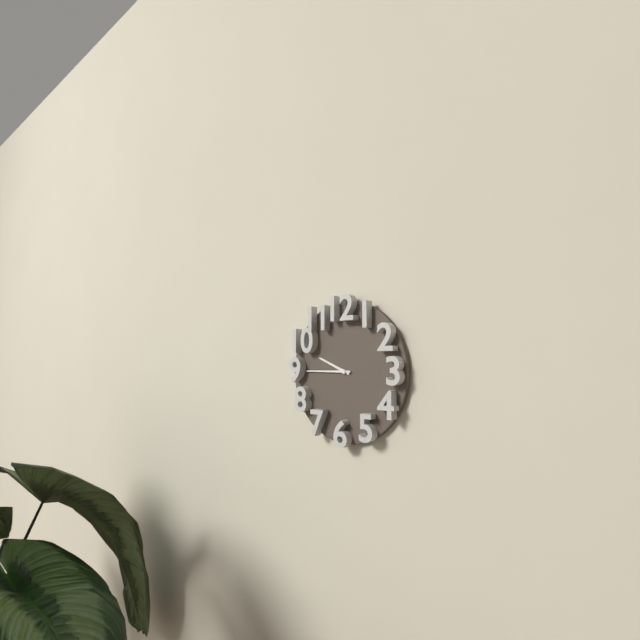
**9:45**
